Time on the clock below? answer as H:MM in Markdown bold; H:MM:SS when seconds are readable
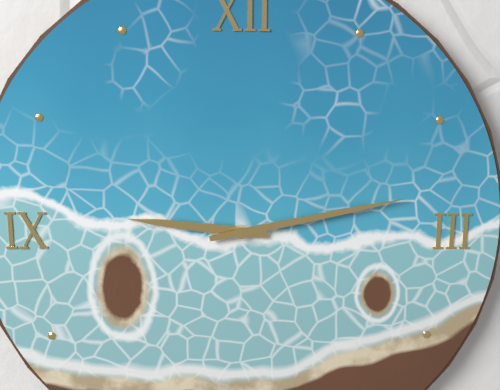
**9:13**
